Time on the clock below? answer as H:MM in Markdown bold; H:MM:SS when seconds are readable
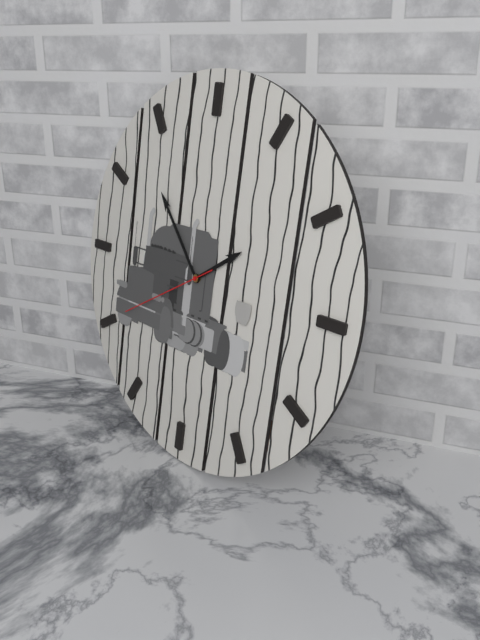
**1:53:40**
